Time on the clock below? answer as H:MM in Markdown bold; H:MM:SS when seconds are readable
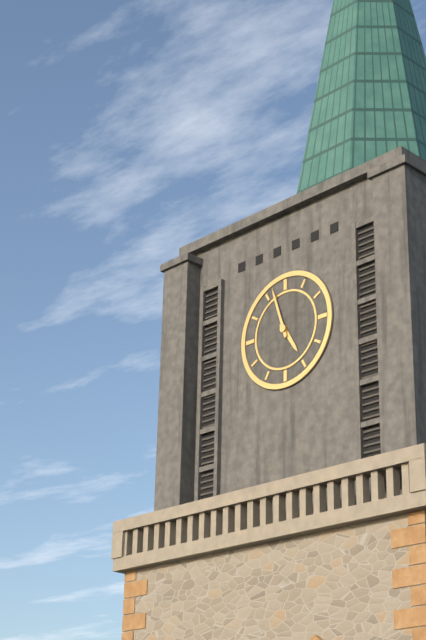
**4:57**
